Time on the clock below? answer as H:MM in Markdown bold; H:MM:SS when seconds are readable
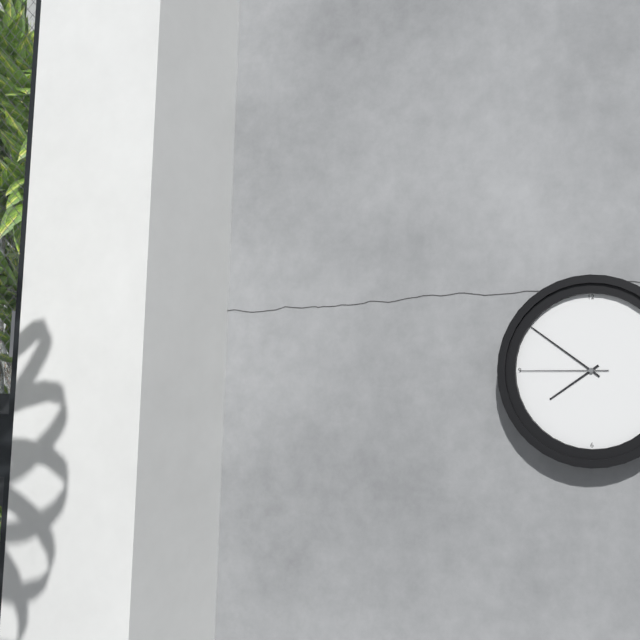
**7:51:45**
